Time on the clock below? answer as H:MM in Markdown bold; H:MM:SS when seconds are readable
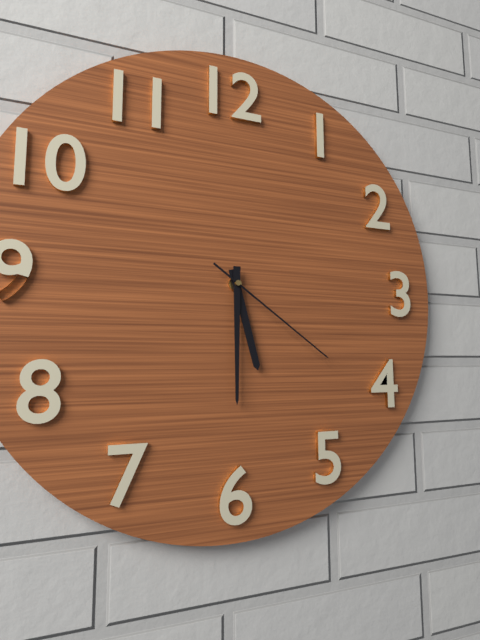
**5:30:21**
